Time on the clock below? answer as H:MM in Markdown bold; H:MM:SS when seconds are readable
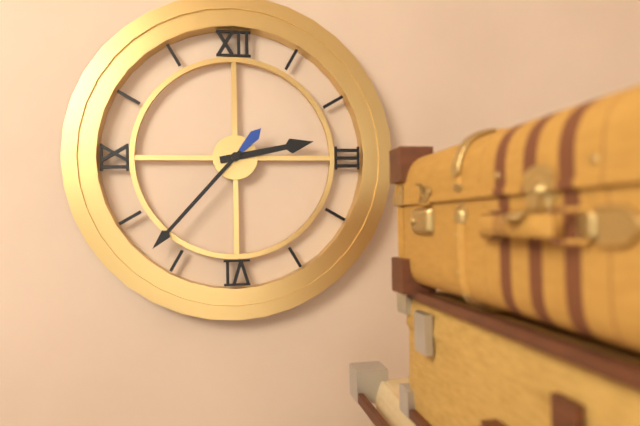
**2:37**
